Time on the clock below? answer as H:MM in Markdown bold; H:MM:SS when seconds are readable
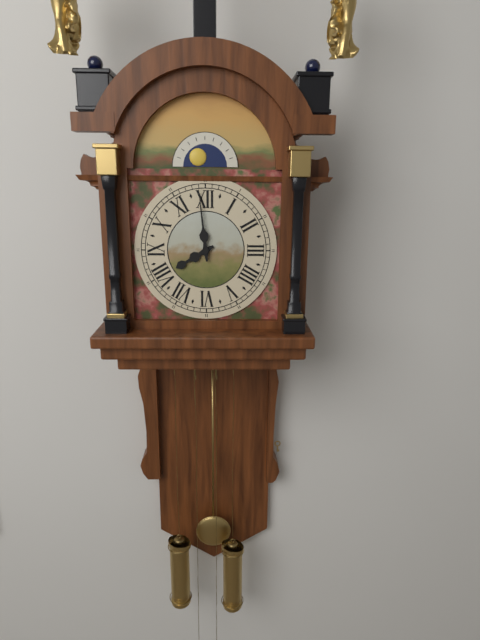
**7:59**
